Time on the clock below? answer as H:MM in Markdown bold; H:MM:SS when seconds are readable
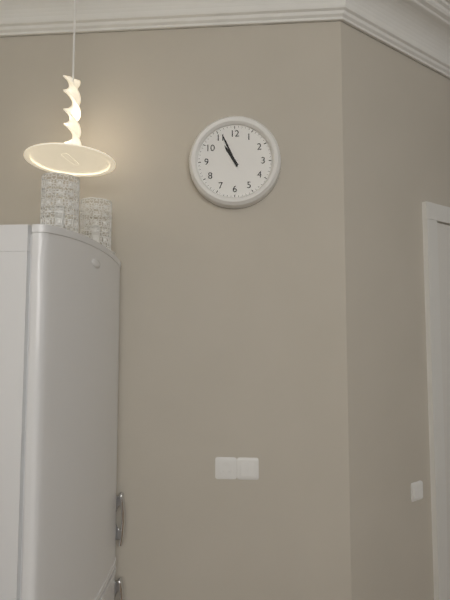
**10:56**
